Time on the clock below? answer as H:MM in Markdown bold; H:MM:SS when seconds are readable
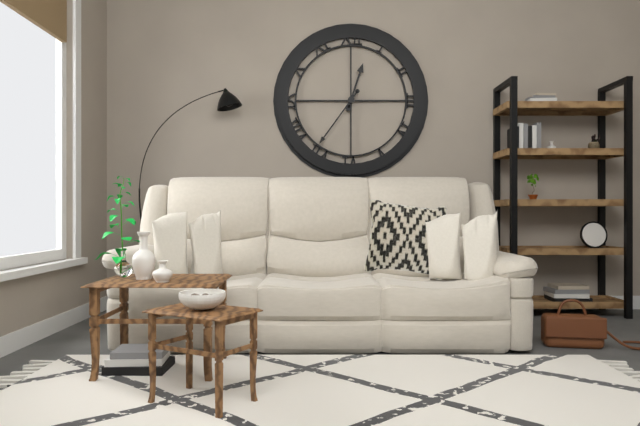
**12:36**
